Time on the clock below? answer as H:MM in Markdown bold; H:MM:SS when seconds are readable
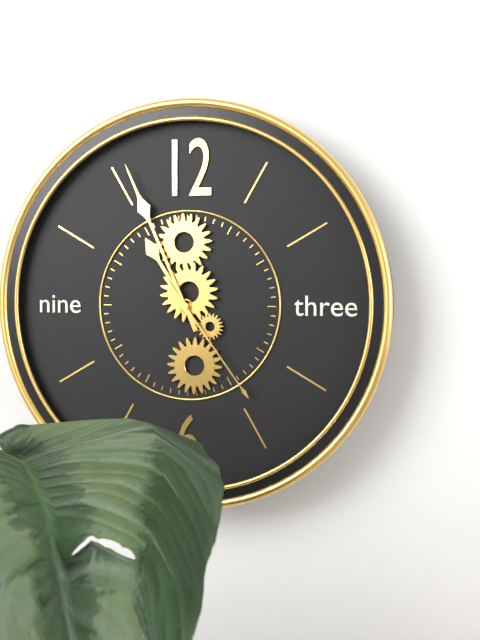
**10:56:24**
